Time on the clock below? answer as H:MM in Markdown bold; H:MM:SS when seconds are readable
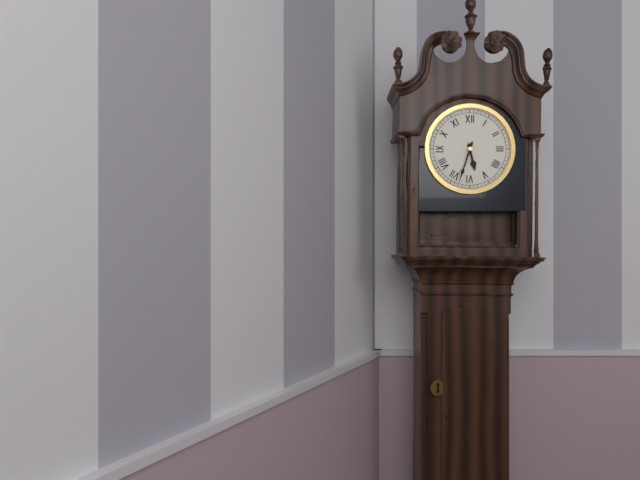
**5:33**
